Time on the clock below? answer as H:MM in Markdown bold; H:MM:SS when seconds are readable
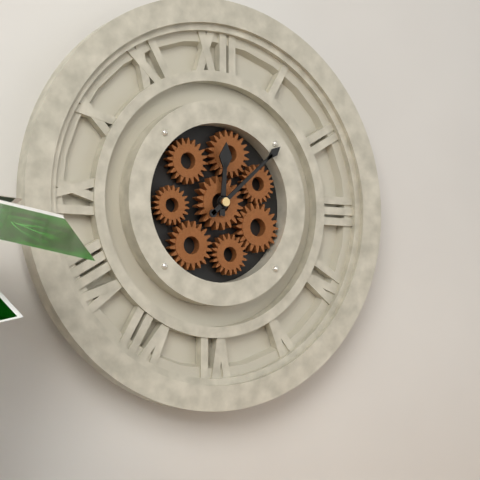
**12:08**
